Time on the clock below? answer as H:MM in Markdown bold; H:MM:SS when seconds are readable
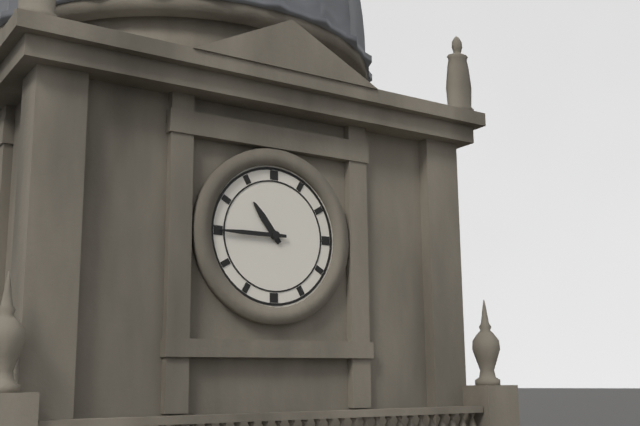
**10:45**
